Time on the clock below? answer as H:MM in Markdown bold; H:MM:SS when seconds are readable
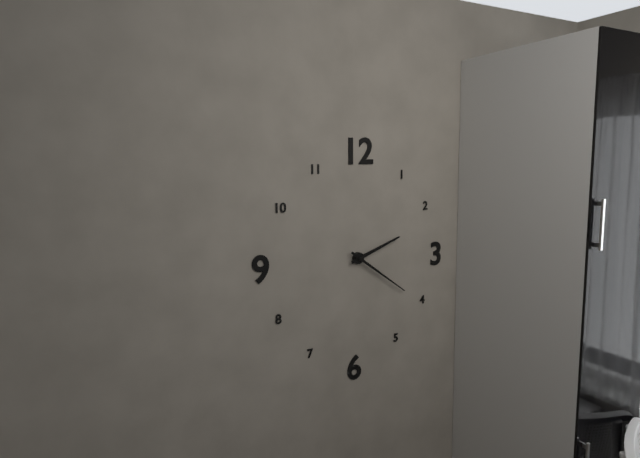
**2:21**
